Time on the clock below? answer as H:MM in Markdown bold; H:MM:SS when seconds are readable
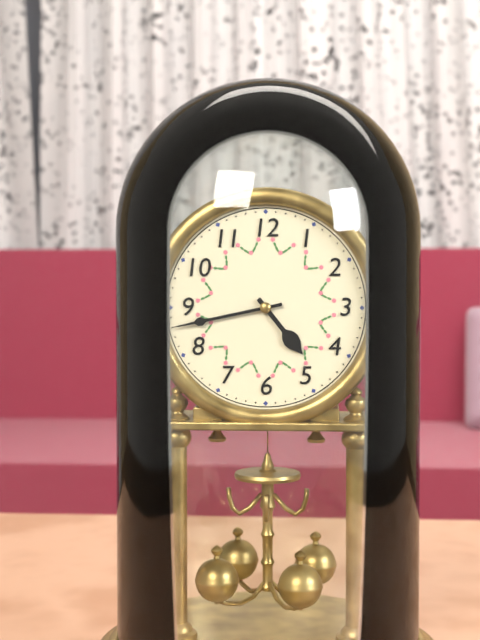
**4:43**
